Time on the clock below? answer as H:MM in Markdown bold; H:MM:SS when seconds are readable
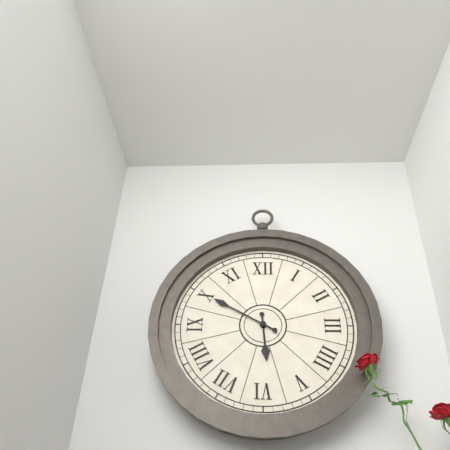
**5:50**
